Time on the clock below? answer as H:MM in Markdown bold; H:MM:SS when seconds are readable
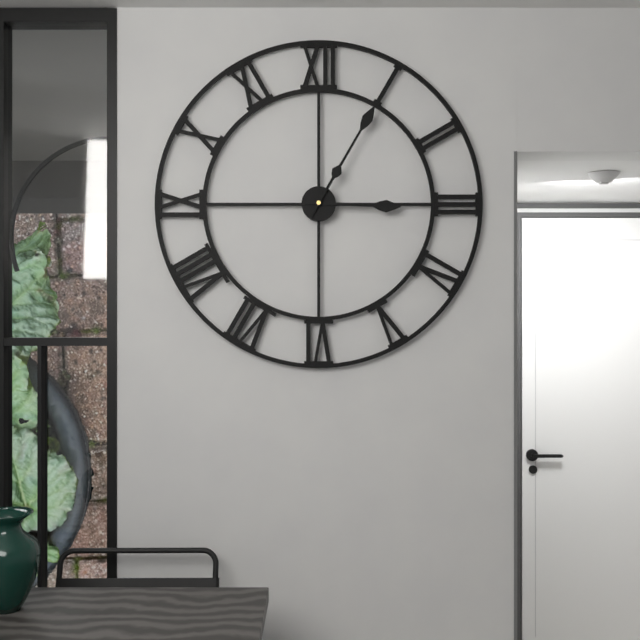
**3:05:05**
